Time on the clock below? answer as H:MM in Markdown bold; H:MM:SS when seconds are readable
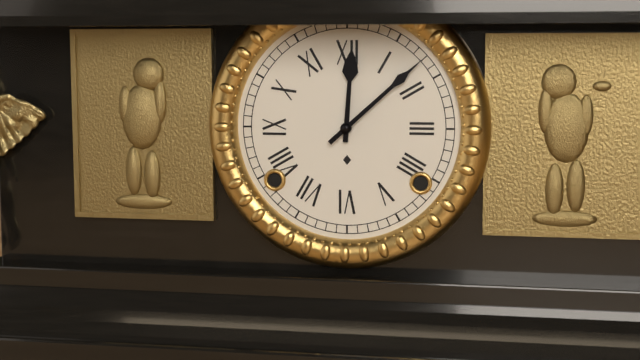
**12:08**
